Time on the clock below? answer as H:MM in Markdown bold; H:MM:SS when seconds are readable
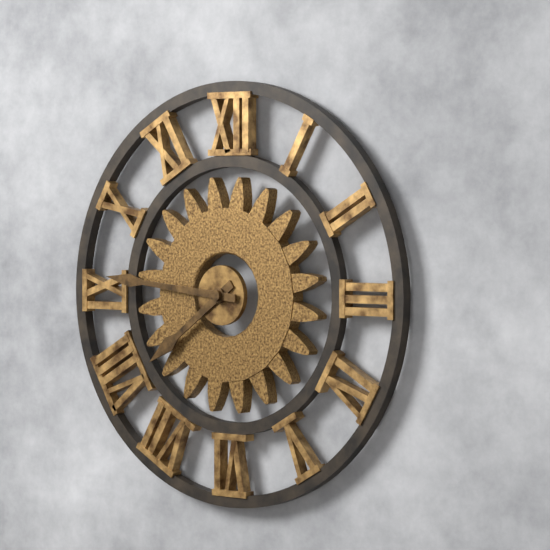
**7:46**
